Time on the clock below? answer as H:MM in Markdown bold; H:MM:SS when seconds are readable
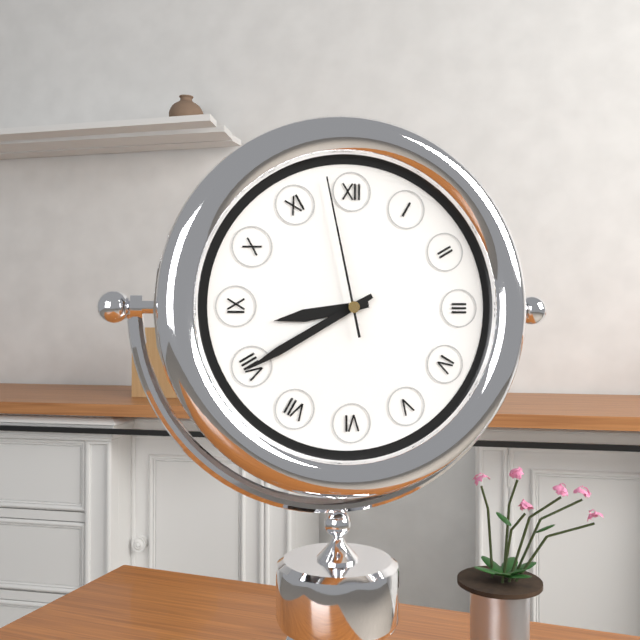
**8:40:58**
